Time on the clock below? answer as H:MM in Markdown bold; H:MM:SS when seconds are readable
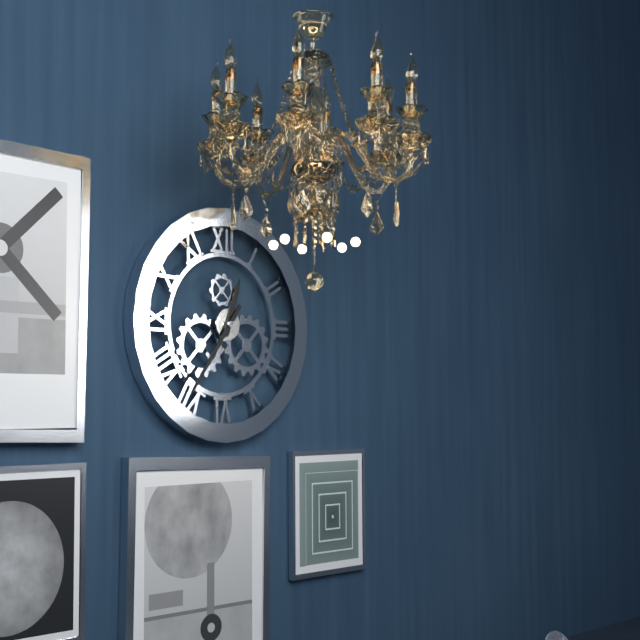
**12:36**
